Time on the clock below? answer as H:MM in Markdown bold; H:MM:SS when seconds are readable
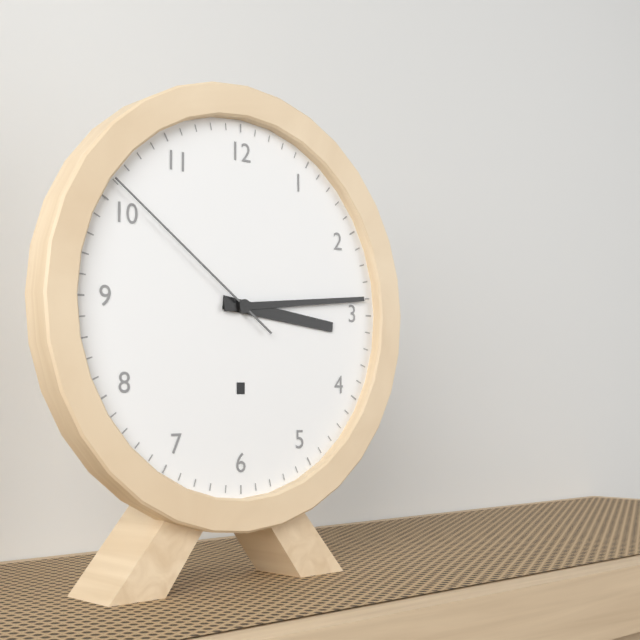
**3:14:51**
